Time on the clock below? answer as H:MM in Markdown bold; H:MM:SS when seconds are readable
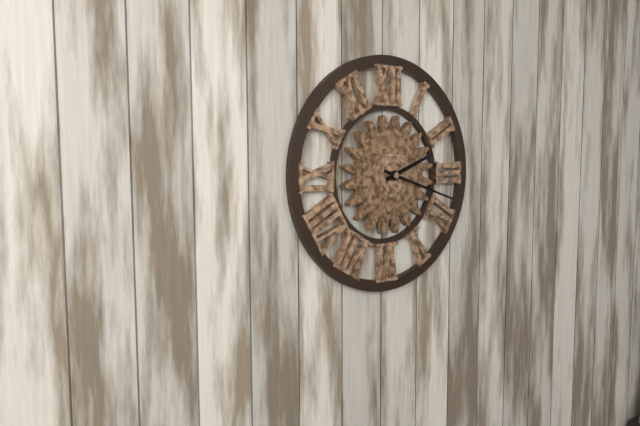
**2:18**
